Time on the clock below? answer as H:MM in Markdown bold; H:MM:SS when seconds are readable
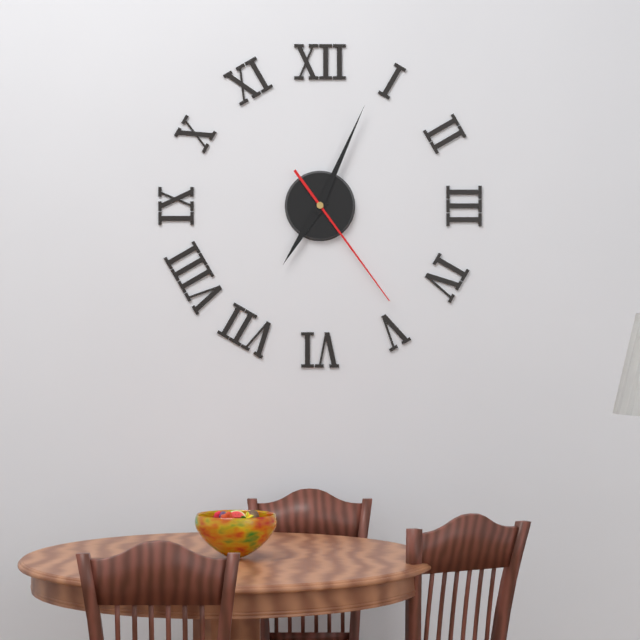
**7:04:24**
